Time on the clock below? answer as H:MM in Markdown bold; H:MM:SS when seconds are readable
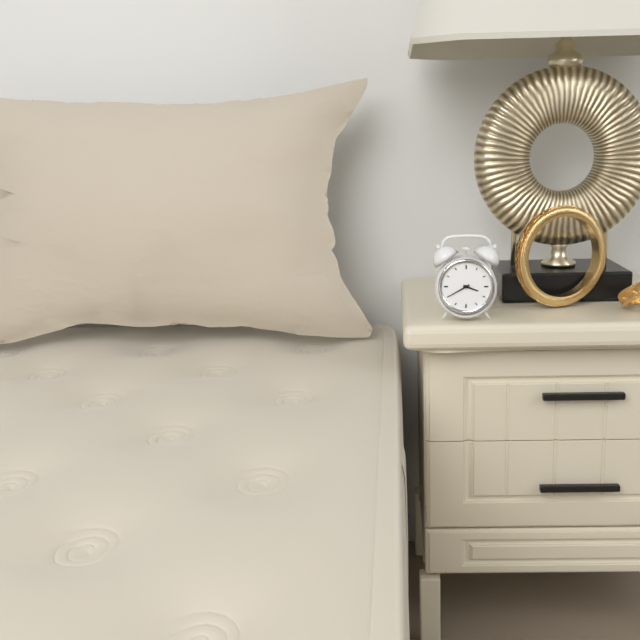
**3:40**
